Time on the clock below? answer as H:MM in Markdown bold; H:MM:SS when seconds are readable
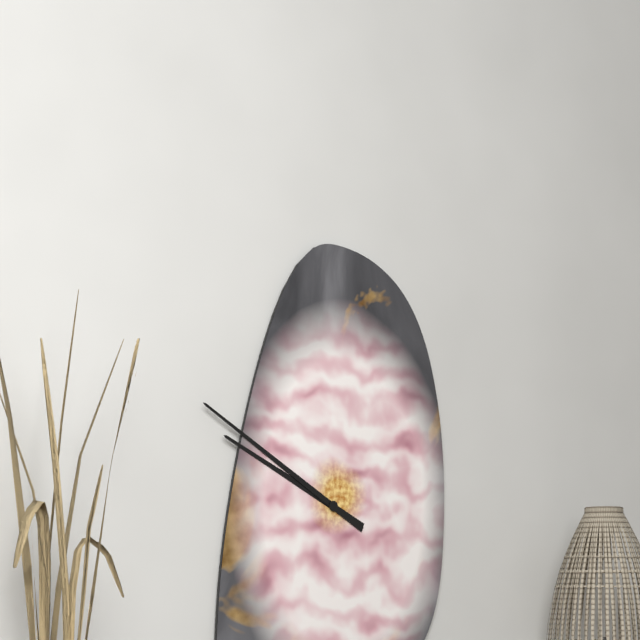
**9:50**
